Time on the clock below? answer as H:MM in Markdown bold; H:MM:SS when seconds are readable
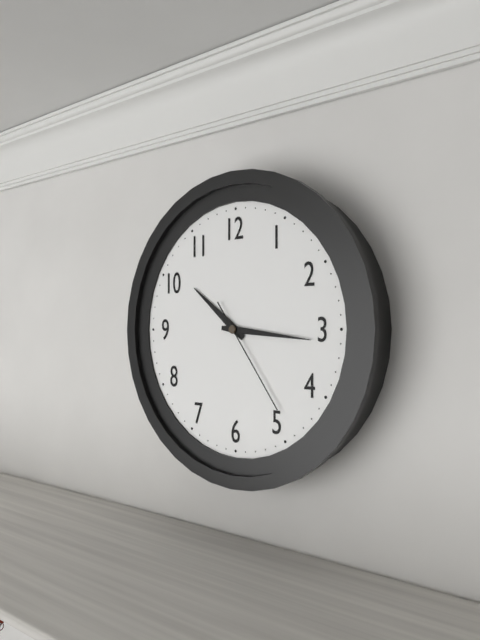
**10:16:24**
